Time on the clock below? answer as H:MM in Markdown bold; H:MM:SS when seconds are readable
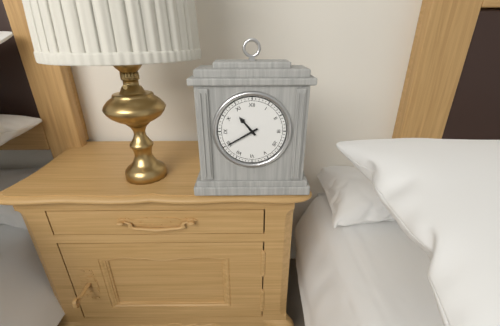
**10:40**
